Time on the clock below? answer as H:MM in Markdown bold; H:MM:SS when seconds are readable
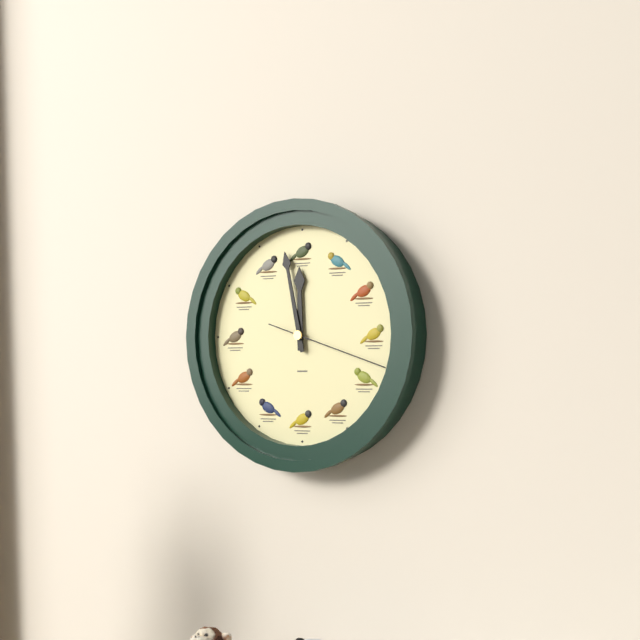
**11:58:18**
